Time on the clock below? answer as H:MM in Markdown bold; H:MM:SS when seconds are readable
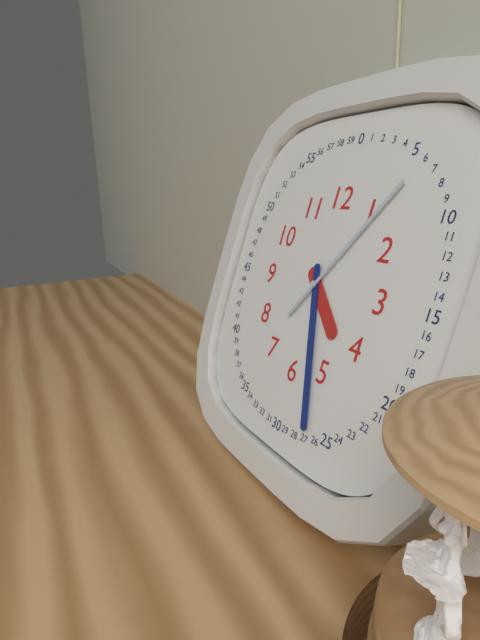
**4:27:06**
